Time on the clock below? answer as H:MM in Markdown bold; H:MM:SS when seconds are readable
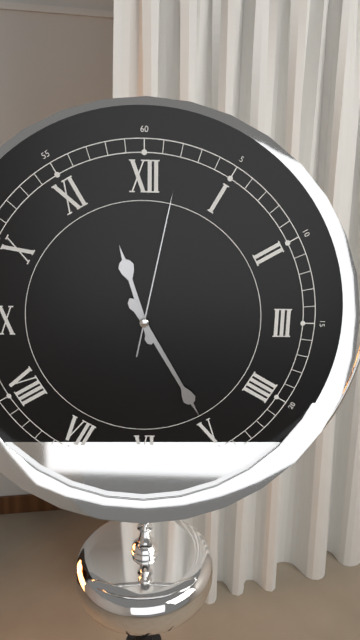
**11:25:02**
